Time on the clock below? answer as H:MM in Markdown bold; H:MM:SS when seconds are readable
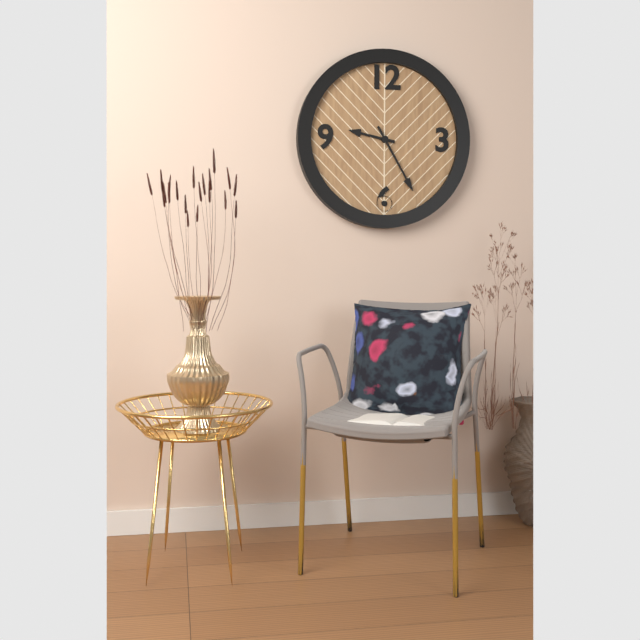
**9:25**
